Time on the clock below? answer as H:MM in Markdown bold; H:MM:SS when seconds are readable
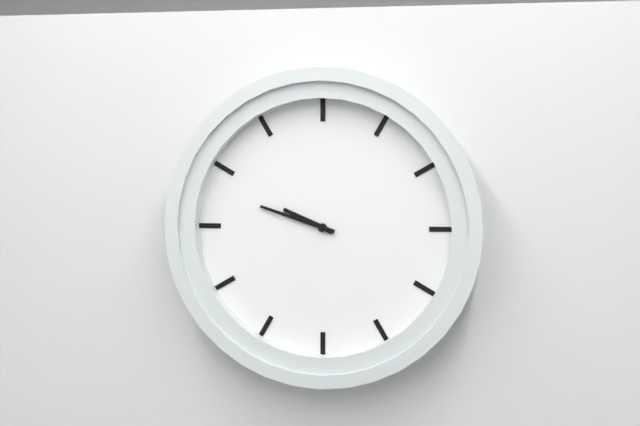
**9:48**
